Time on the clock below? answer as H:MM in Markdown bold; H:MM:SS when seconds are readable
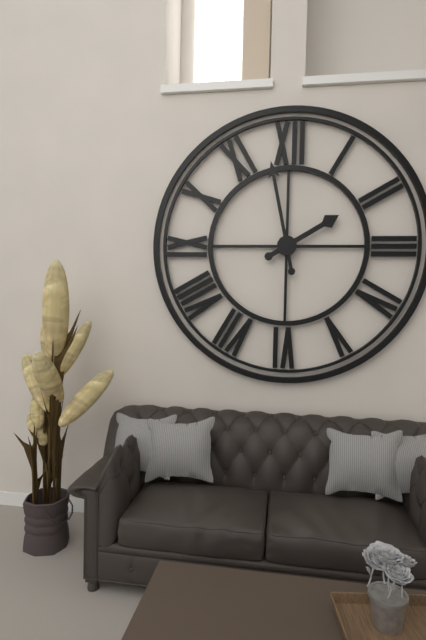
**1:58**
